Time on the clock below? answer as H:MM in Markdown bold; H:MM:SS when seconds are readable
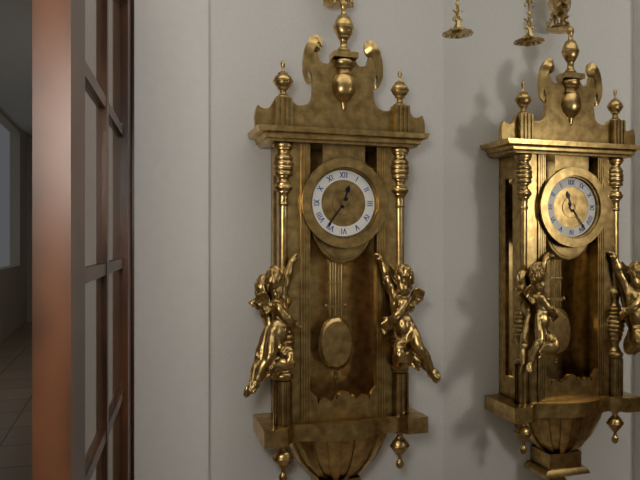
**12:36**
